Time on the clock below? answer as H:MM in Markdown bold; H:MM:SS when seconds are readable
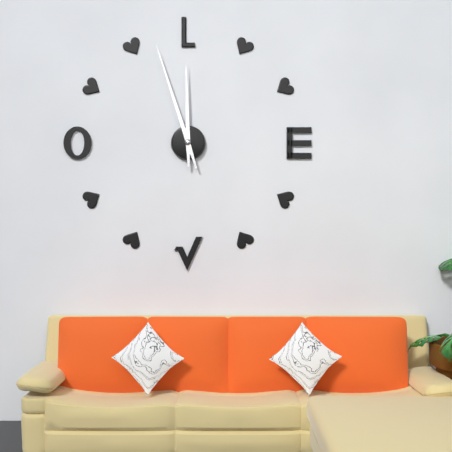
**11:57**
